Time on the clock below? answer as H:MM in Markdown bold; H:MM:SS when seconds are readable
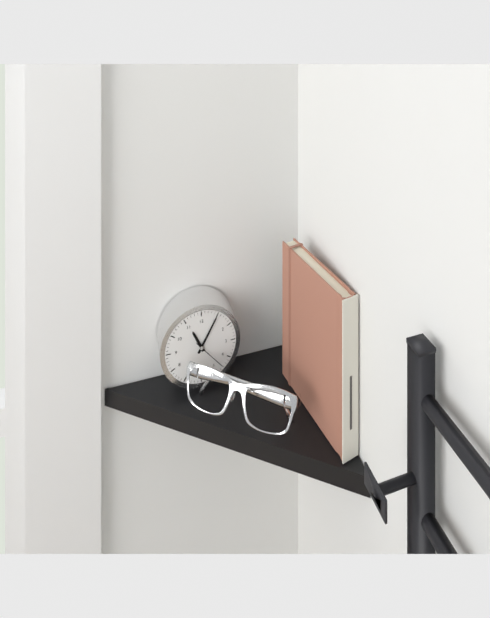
**11:05**
